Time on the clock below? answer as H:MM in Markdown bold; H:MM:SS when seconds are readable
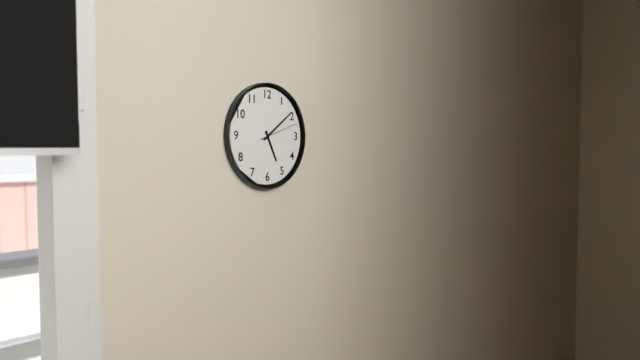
**5:09**
